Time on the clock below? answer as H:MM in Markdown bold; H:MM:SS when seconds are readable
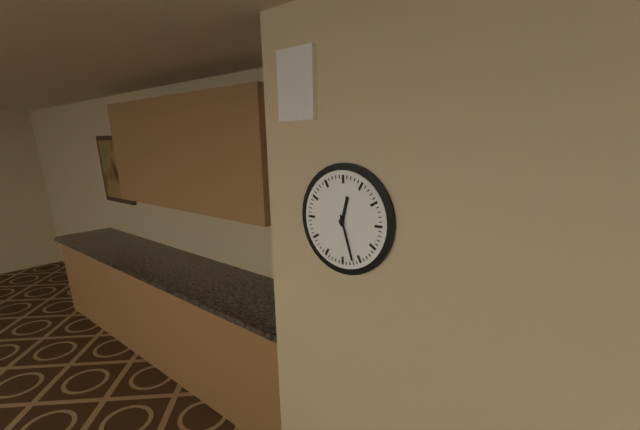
**12:27**
